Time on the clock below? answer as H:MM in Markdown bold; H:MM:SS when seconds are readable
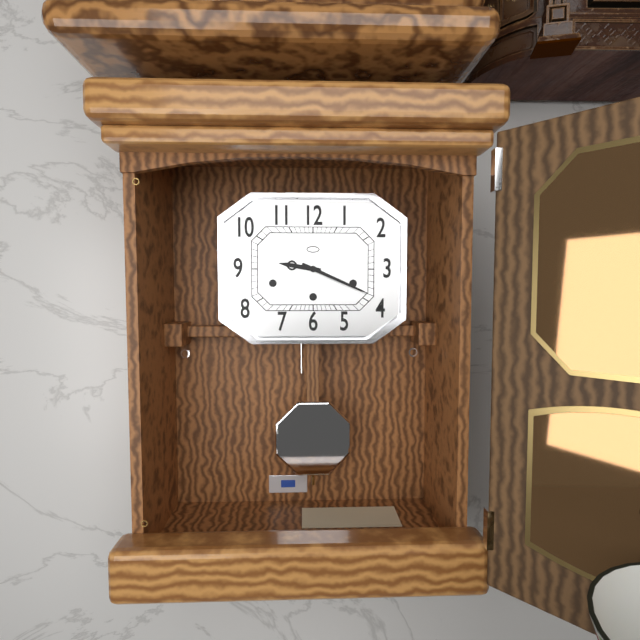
**9:19**
